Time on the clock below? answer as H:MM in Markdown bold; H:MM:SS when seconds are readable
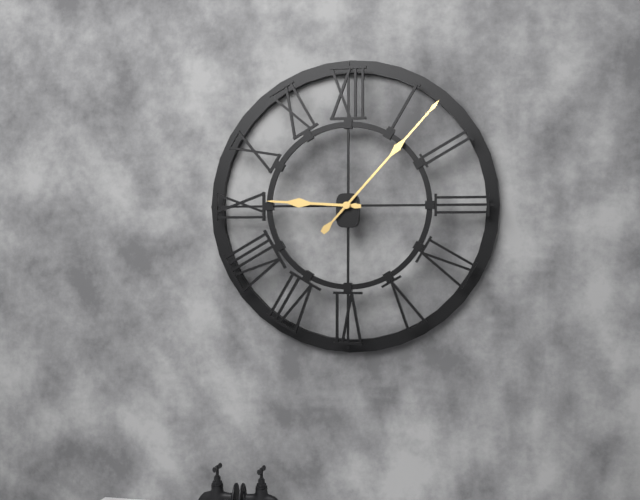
**9:07**
